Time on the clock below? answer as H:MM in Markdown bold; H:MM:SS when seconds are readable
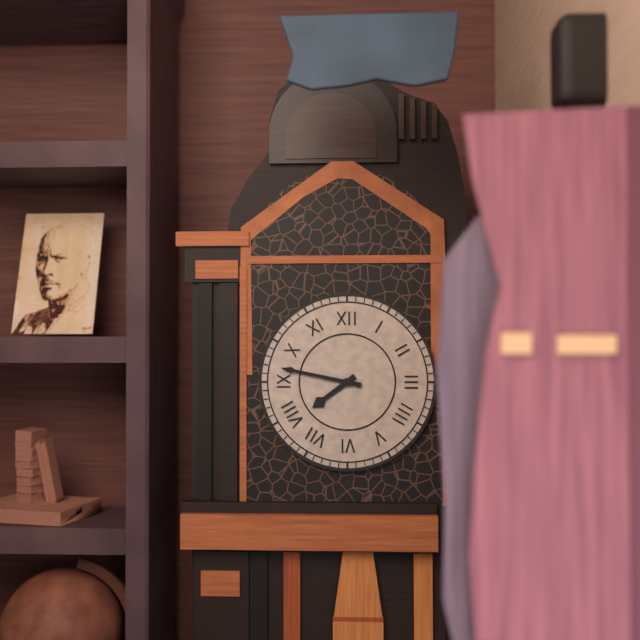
**7:47**
